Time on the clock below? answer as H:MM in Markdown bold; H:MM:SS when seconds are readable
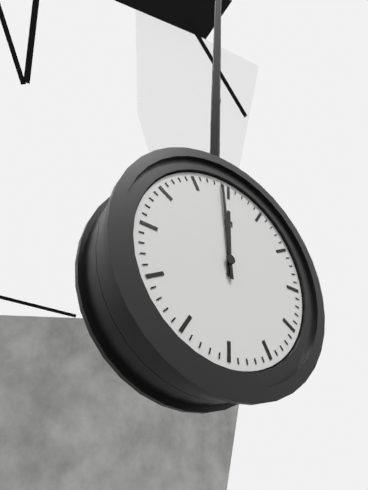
**11:59**
